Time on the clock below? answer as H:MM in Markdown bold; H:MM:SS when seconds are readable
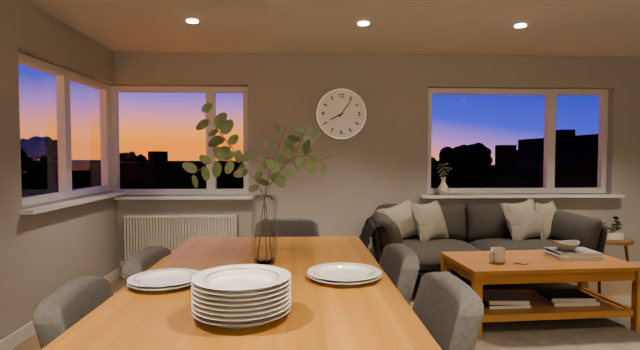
**8:06**
